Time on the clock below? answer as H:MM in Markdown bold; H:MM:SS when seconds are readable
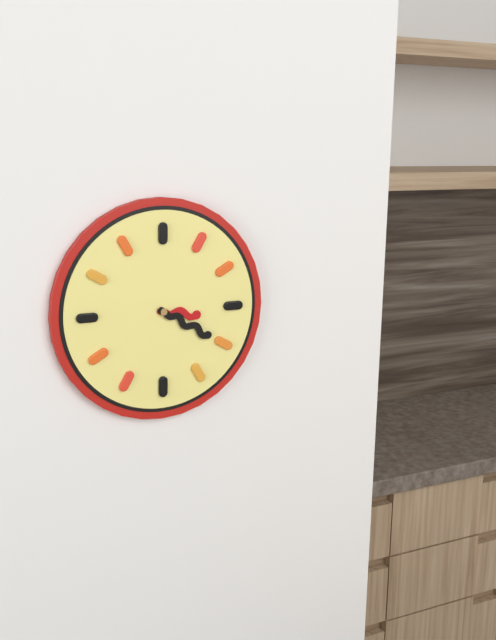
**3:20**
